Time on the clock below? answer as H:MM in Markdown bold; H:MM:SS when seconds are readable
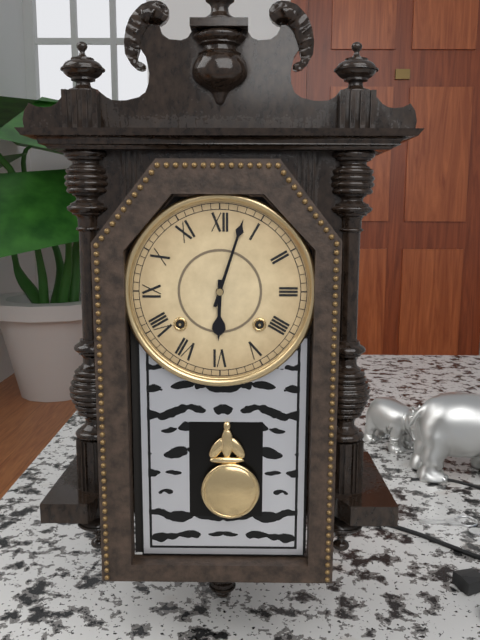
**6:03**
